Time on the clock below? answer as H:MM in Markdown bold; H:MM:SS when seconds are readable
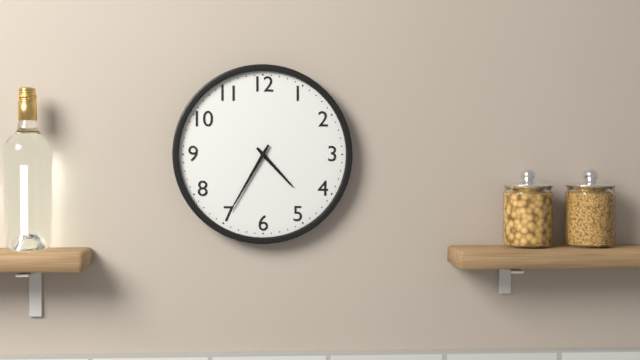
**4:35**
